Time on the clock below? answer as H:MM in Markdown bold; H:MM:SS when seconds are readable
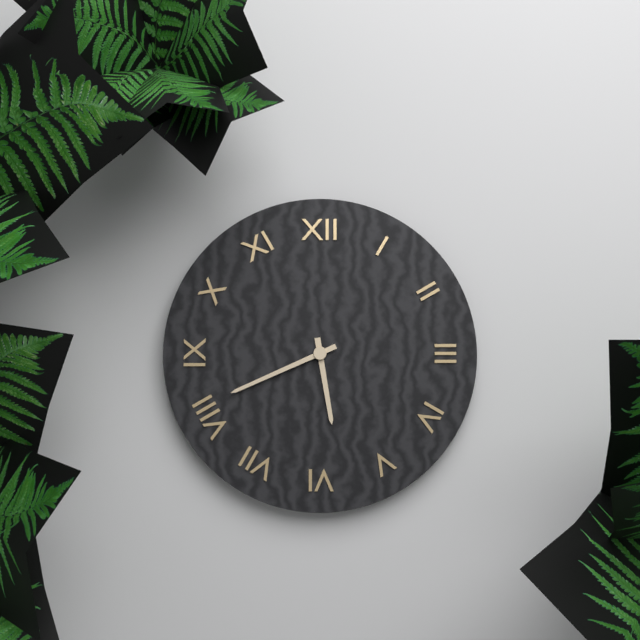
**5:41**
